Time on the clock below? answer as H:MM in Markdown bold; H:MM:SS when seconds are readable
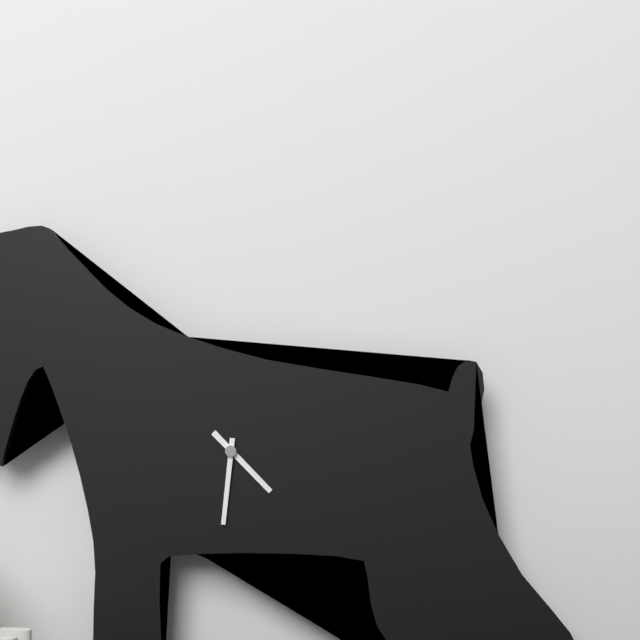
**4:31**
